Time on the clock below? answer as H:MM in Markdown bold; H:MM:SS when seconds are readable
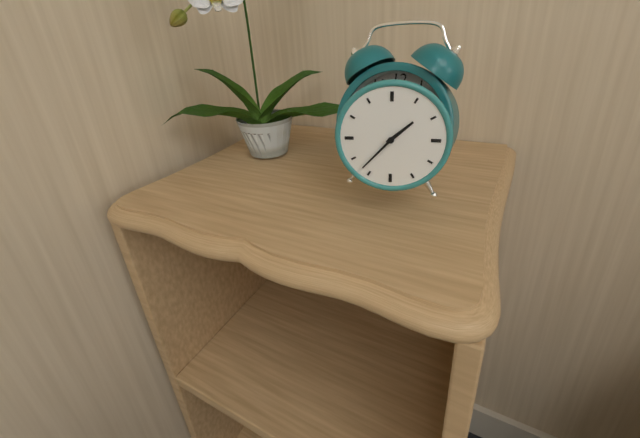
**1:37**
